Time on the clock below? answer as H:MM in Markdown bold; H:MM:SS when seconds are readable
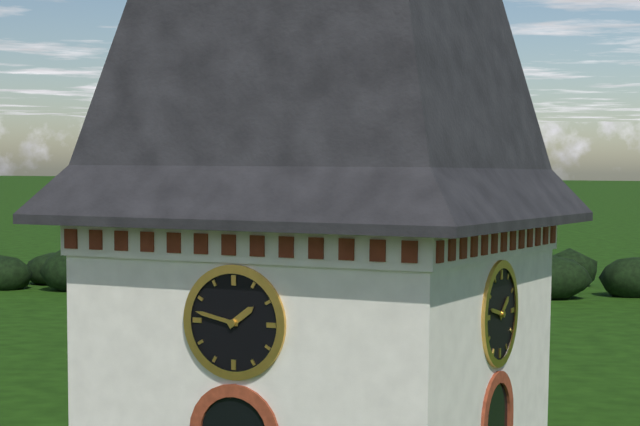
**1:47**
